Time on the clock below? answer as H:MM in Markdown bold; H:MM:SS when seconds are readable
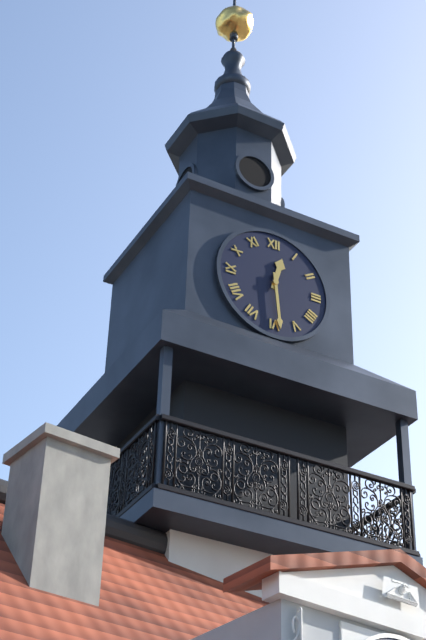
**12:29**
